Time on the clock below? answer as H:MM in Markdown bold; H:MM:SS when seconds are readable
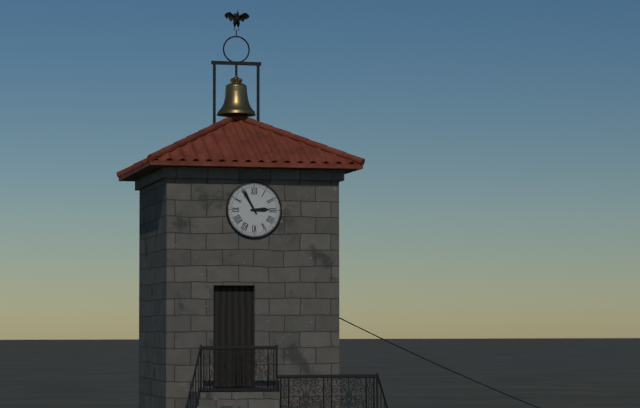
**2:55**
